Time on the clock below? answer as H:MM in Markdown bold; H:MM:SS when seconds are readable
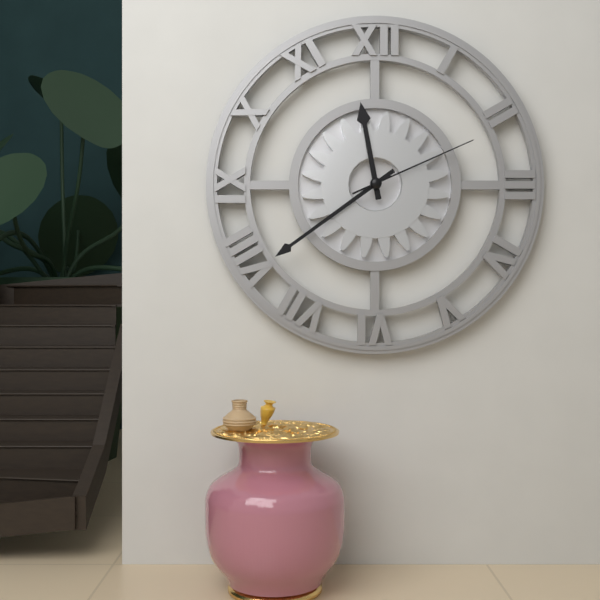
**11:39:11**
